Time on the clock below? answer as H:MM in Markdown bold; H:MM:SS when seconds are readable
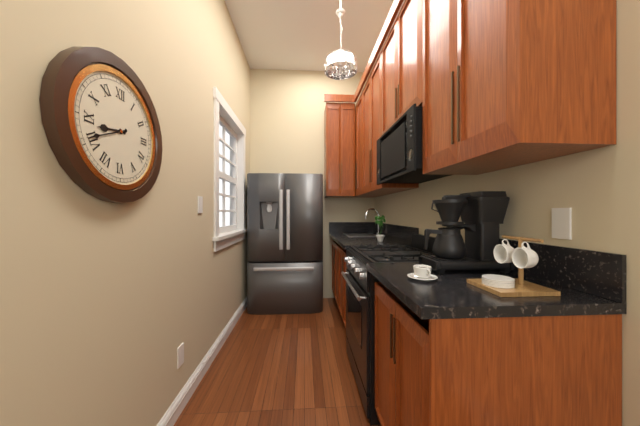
**8:41**
